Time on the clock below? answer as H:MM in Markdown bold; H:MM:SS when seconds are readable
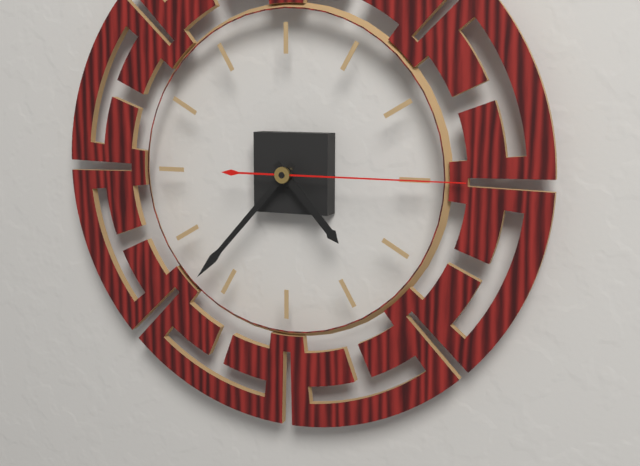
**4:37:15**
